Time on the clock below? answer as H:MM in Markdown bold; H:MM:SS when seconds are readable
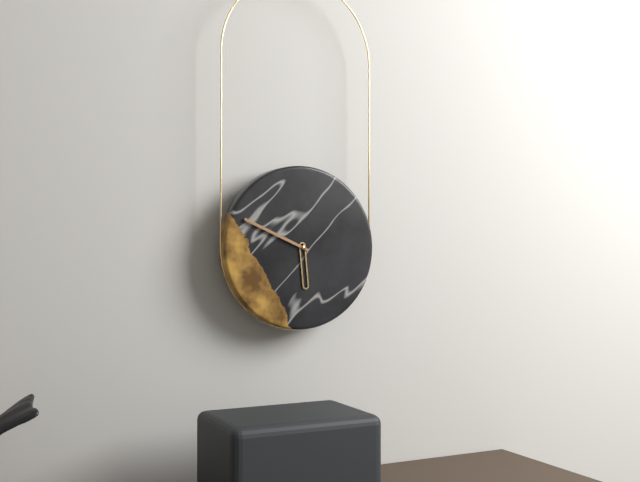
**5:49**
